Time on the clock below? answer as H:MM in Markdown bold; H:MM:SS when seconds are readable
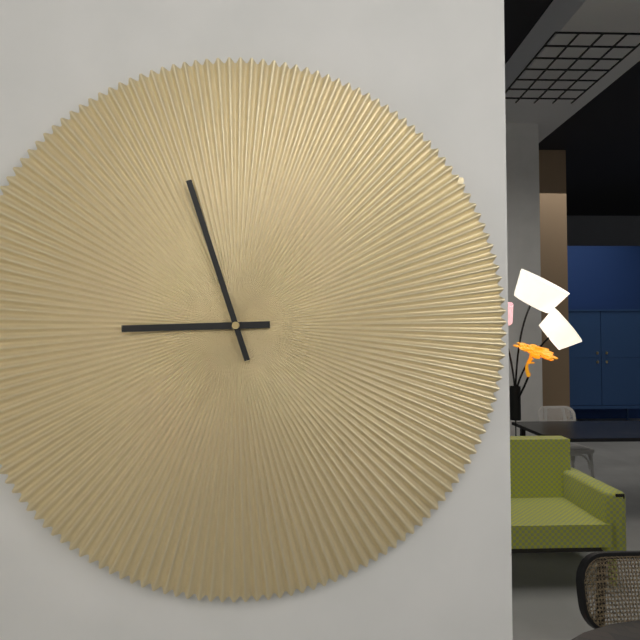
**8:57**
